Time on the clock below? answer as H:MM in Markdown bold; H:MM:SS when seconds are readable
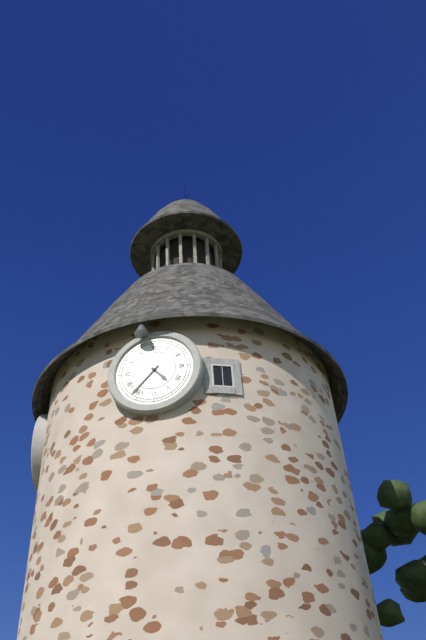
**4:37**
